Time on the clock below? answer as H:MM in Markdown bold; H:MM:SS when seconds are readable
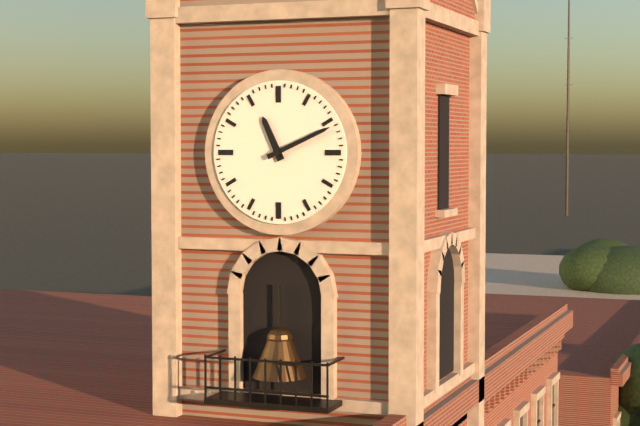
**11:11**
